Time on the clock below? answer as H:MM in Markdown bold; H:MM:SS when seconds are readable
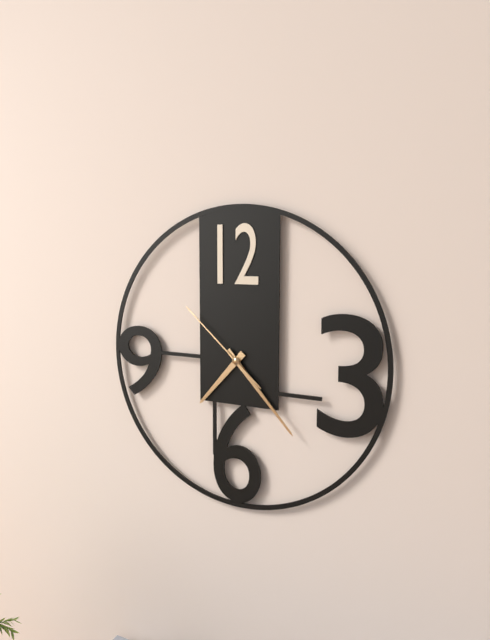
**7:23:52**
